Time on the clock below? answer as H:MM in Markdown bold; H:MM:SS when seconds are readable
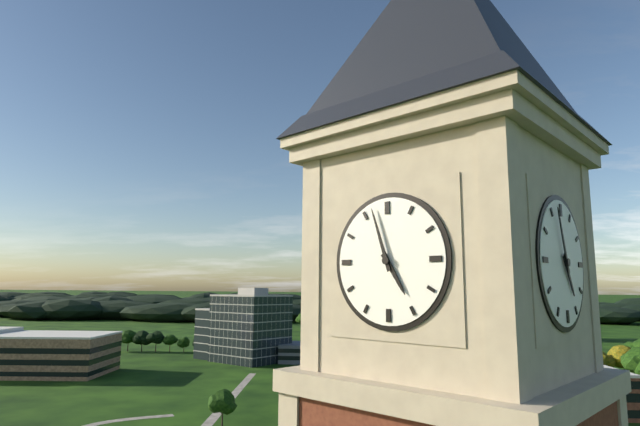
**4:57**
